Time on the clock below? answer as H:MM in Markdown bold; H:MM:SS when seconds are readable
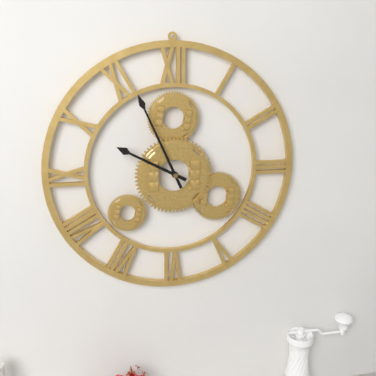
**9:56**
